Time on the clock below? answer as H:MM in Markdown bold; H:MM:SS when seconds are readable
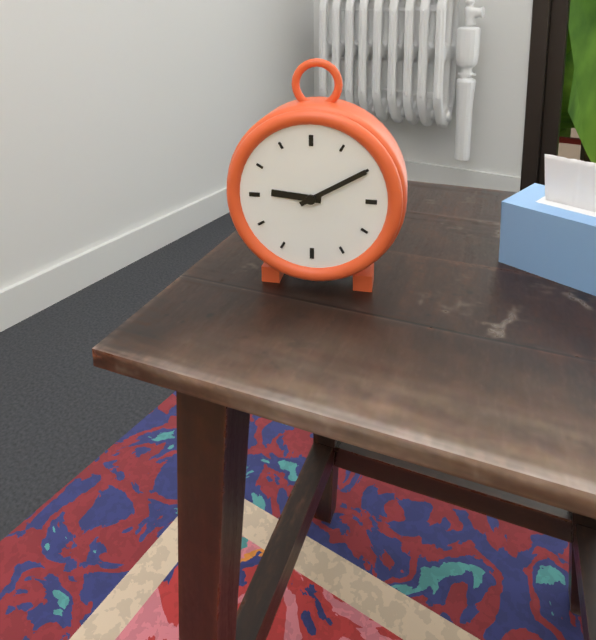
**9:10**
